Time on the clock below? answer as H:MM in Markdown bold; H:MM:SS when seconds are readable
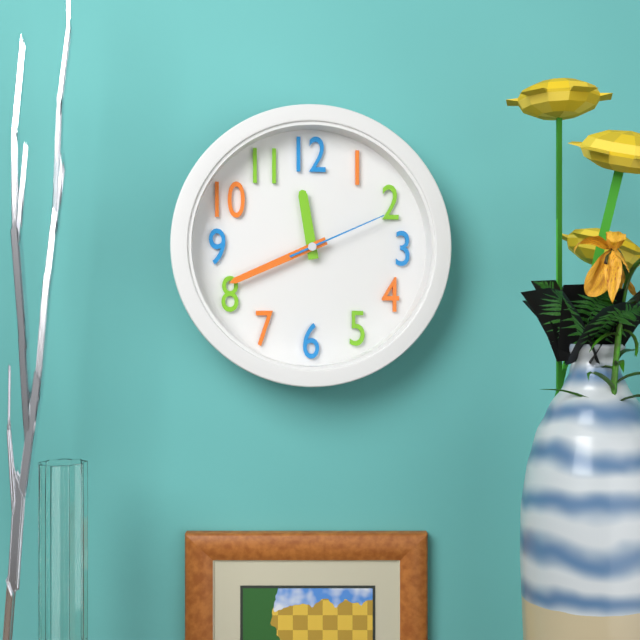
**11:41:11**
